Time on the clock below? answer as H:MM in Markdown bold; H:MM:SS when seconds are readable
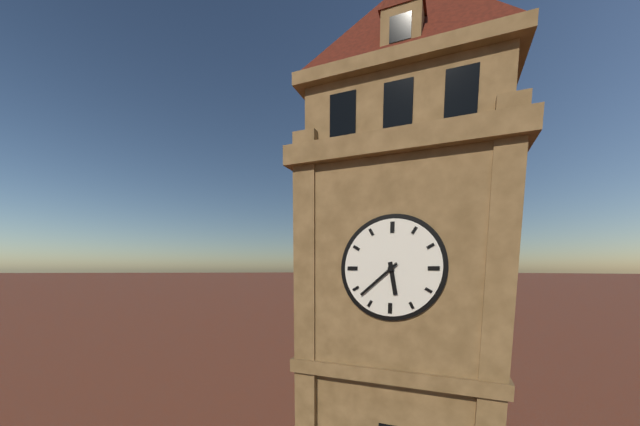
**5:38**
